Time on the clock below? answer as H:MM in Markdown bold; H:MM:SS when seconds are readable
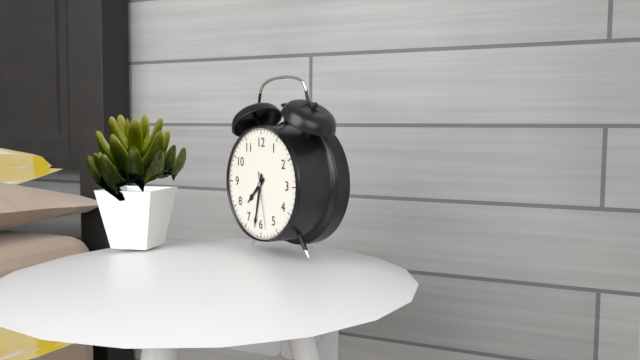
**7:32:28**
